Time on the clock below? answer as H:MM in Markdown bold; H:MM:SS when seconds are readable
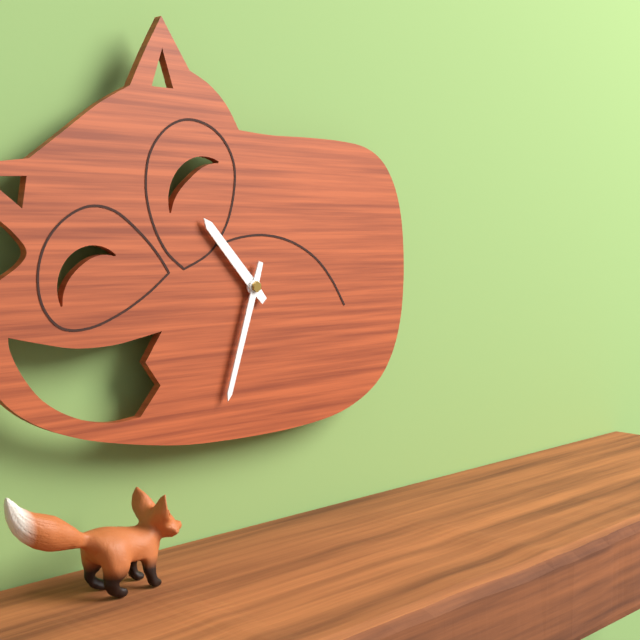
**10:33**
